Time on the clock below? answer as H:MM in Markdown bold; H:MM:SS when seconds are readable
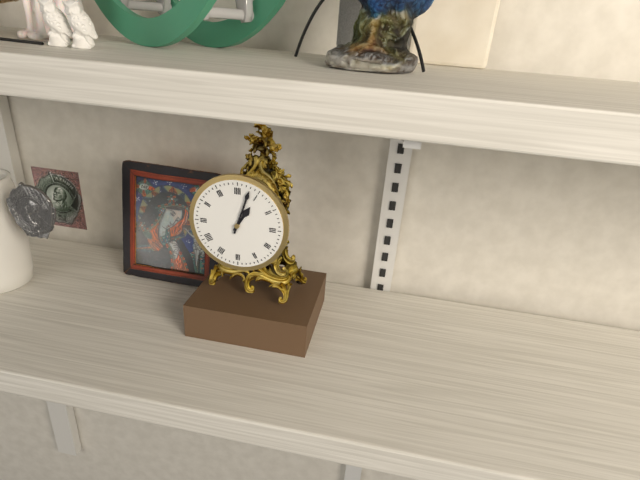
**1:03**
